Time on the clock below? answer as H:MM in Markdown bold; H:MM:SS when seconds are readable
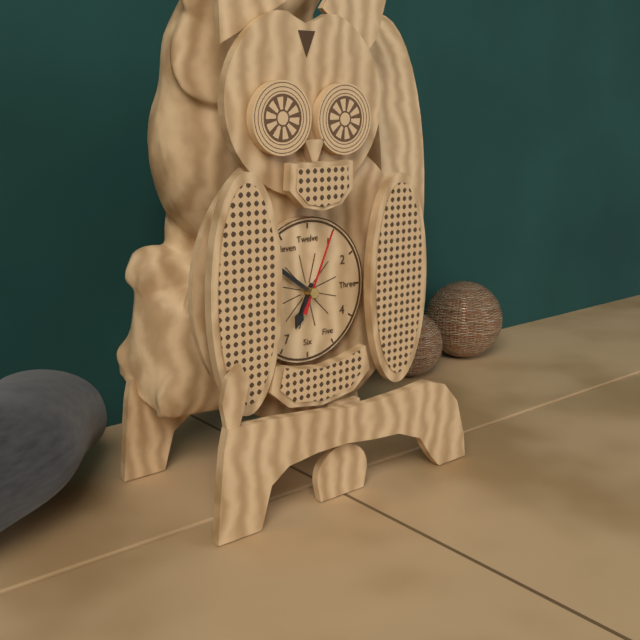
**6:51:04**
